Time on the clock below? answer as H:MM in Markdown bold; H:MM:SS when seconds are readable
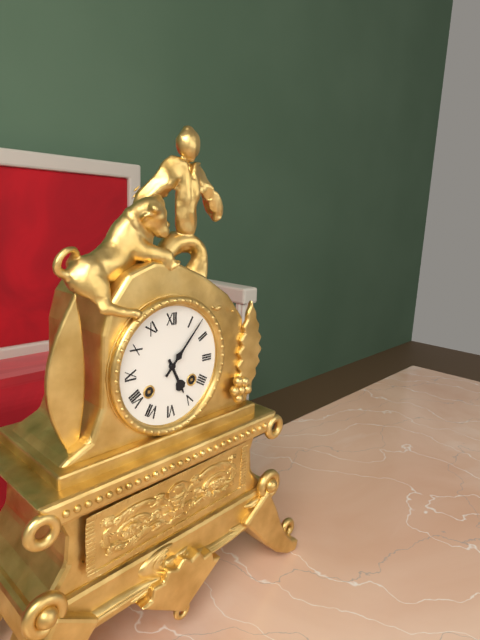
**5:07**
